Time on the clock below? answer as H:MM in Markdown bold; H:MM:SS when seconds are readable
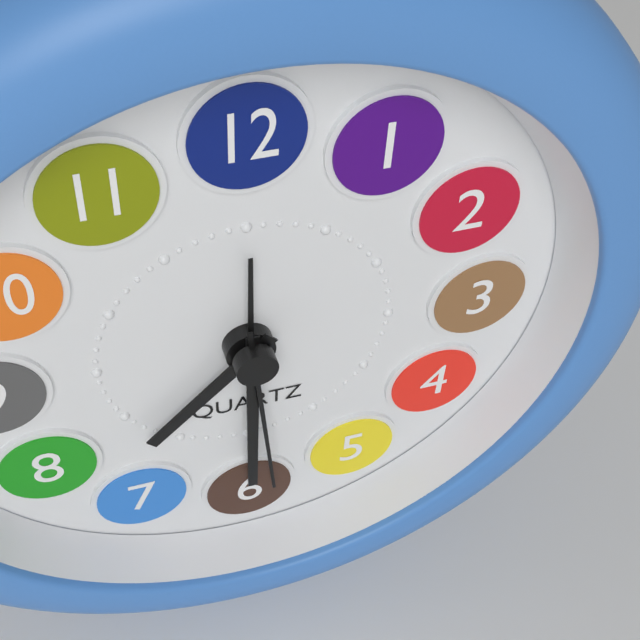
**7:30:29**
